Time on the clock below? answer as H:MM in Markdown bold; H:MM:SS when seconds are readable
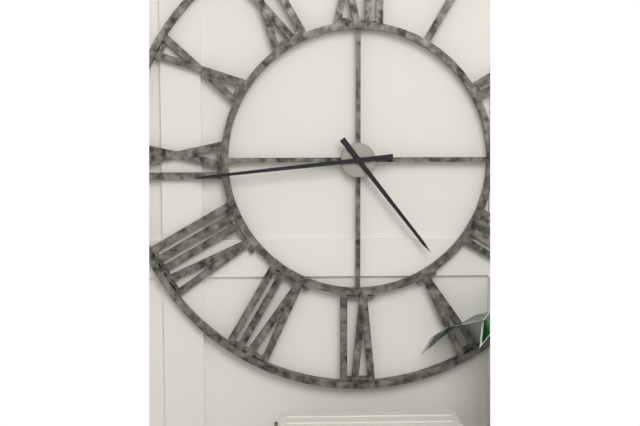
**4:44**
